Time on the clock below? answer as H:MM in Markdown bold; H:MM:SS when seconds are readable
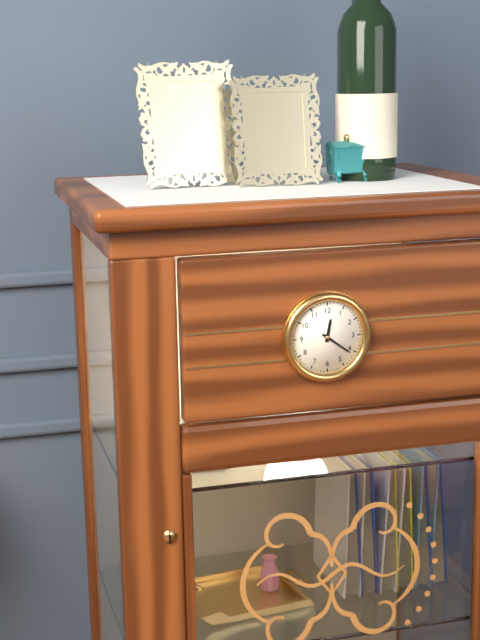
**12:21**
